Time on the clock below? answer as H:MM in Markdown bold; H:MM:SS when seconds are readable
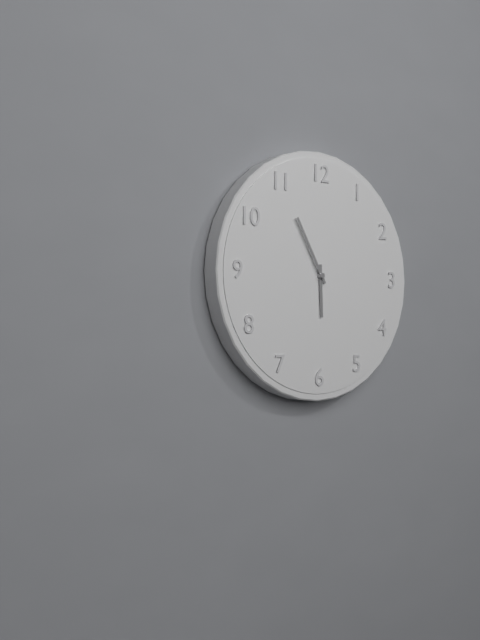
**5:55**
